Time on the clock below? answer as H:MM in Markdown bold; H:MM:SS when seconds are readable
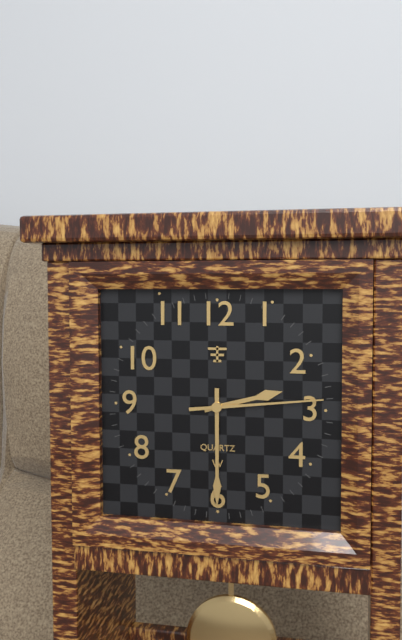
**2:30:14**
